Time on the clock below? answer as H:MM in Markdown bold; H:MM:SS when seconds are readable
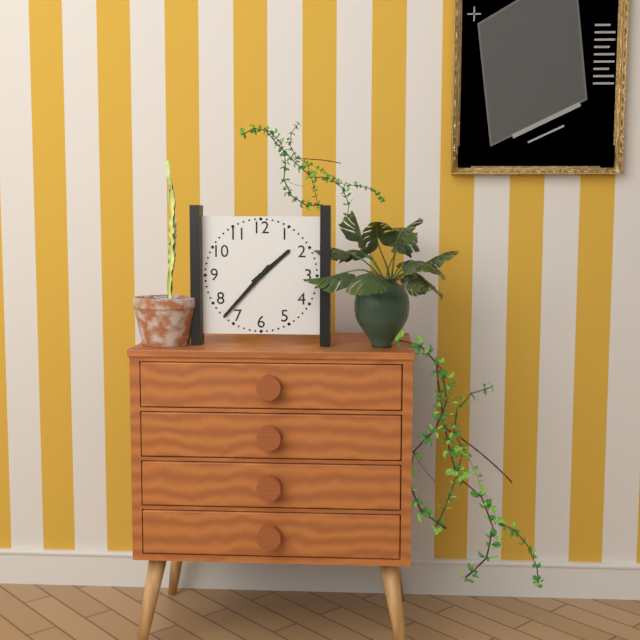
**1:37**
